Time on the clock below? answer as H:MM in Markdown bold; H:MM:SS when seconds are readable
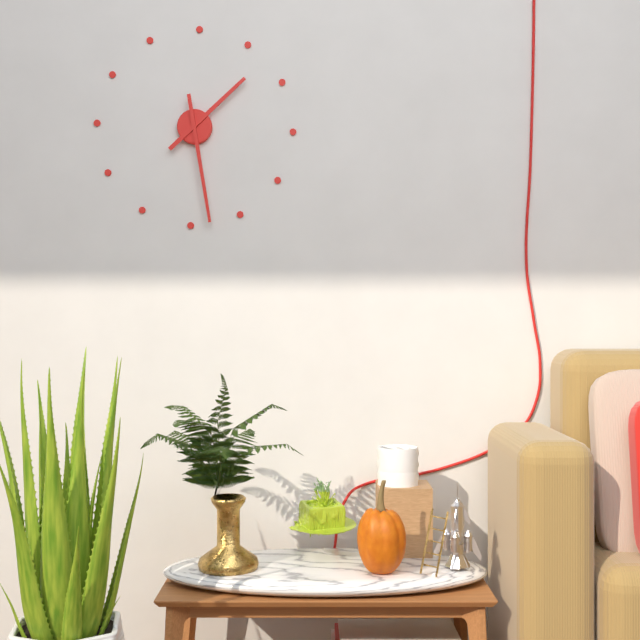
**1:28**
